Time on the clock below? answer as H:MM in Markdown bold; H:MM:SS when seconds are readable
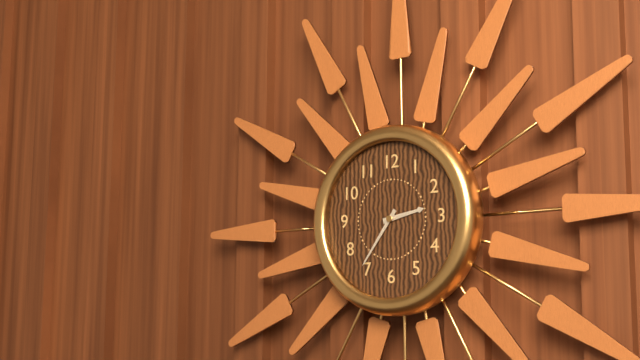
**2:36**
